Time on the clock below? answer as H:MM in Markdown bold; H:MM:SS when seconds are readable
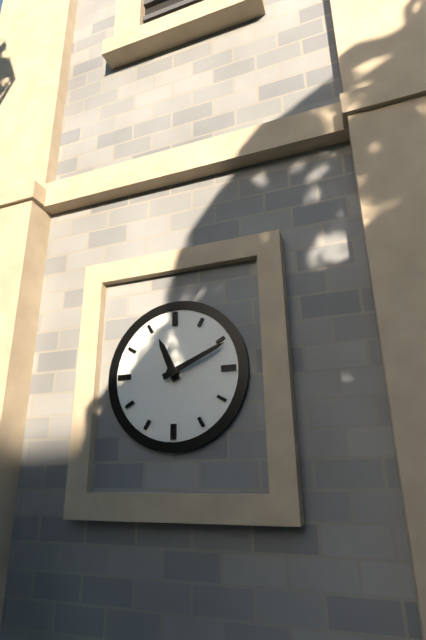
**11:11**
